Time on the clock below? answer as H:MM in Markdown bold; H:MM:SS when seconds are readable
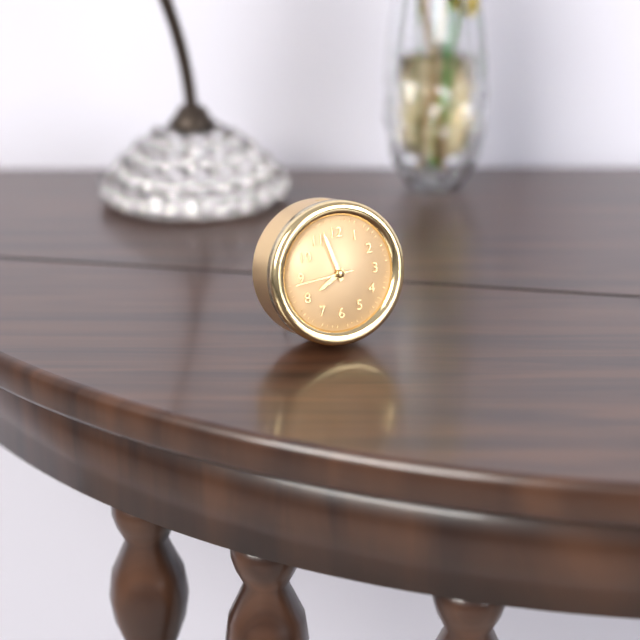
**7:57:44**
